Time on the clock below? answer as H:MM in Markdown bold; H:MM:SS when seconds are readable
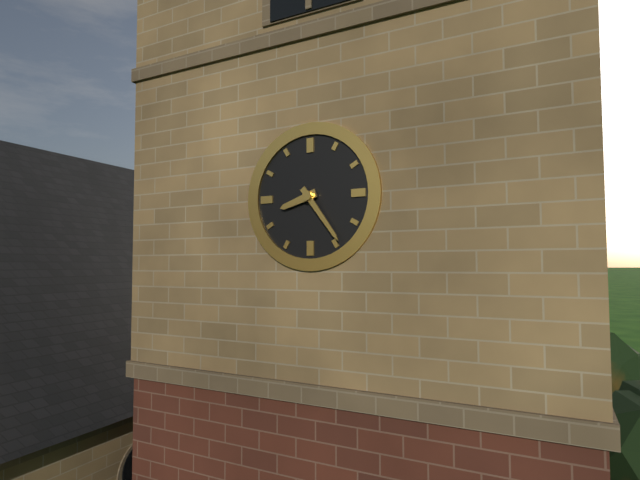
**8:24**
